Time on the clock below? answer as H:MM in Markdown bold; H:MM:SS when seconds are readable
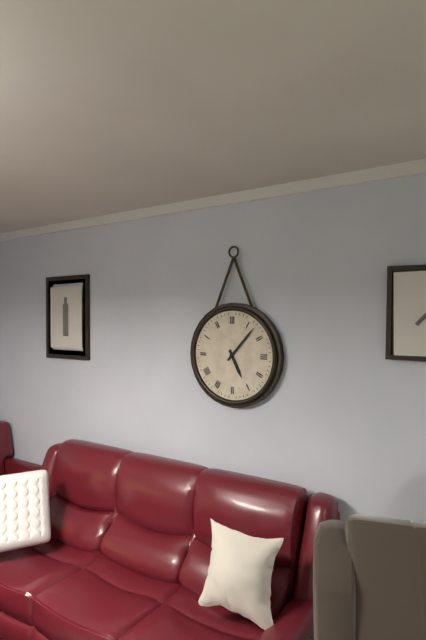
**5:07**
